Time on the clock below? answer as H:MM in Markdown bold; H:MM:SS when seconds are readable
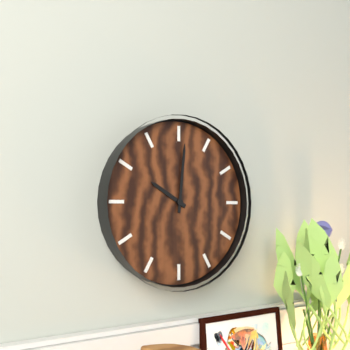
**10:01**
